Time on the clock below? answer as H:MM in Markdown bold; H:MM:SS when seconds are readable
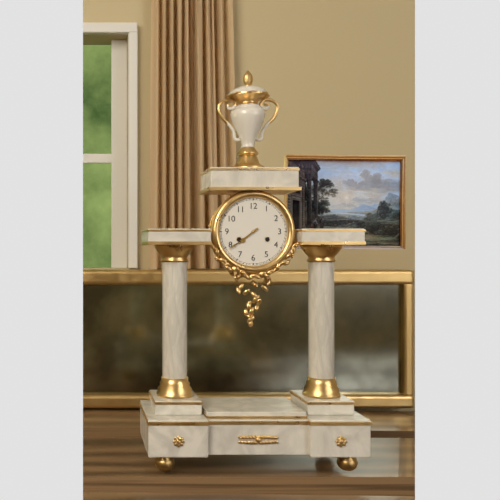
**7:39**
